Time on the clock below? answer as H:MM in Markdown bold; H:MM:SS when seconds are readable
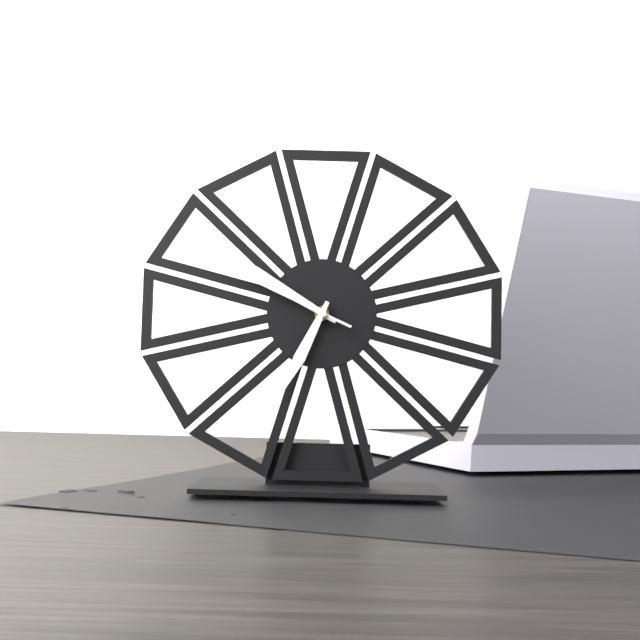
**6:50:49**
